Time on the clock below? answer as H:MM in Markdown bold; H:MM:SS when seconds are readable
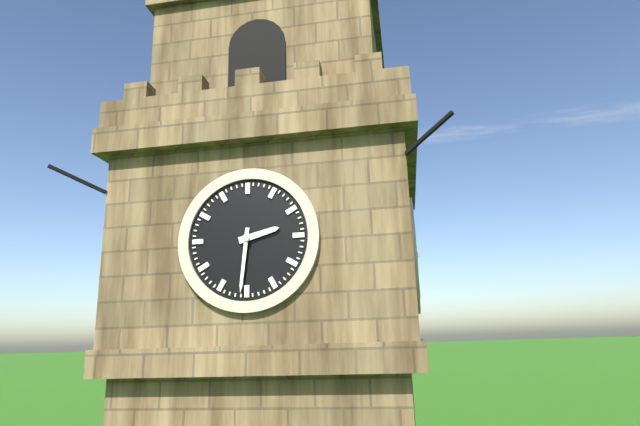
**2:31**
